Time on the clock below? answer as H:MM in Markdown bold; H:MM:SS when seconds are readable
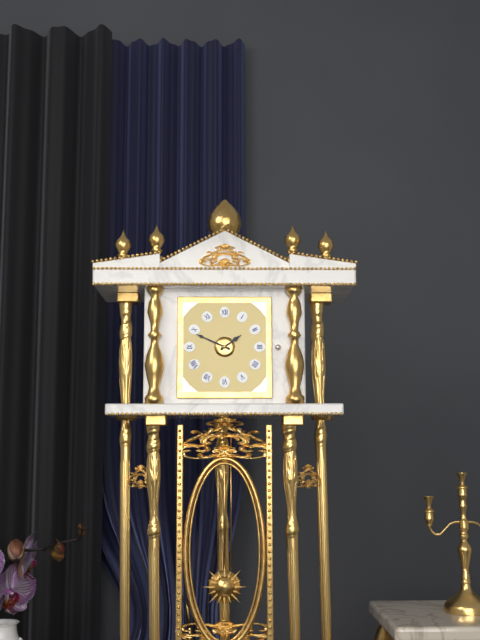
**1:49**
